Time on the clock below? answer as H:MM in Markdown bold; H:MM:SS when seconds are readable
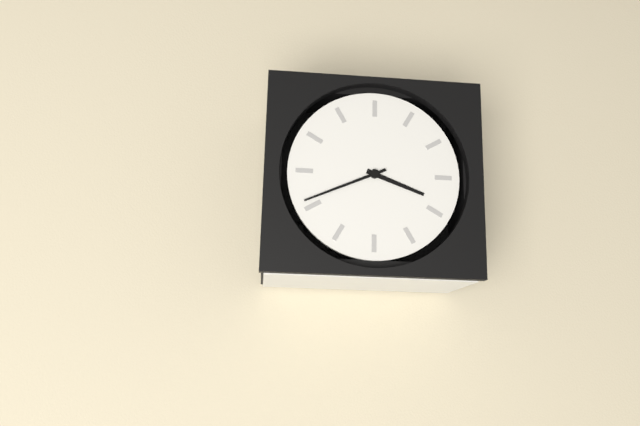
**3:41**
